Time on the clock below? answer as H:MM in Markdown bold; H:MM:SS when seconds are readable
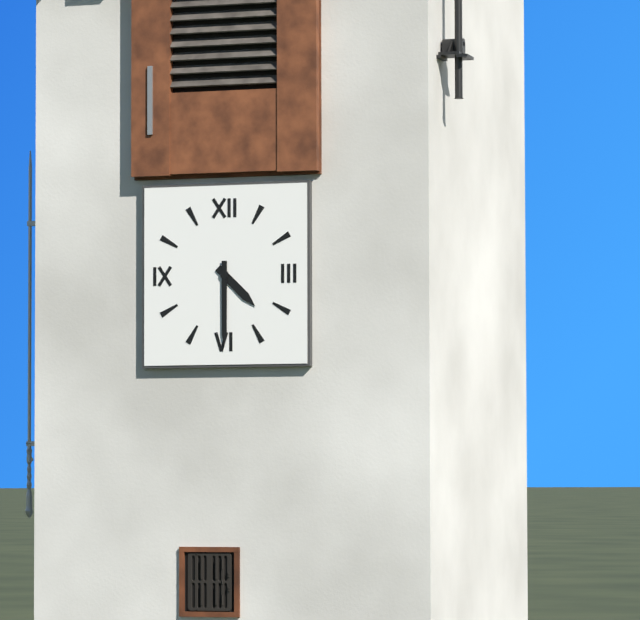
**4:30**
